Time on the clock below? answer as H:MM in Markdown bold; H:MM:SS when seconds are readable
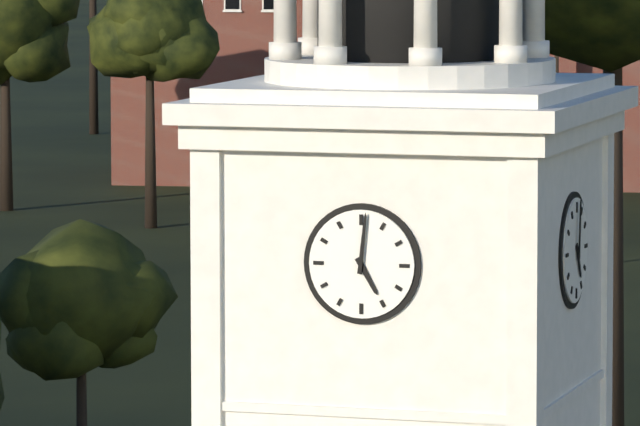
**5:01**
